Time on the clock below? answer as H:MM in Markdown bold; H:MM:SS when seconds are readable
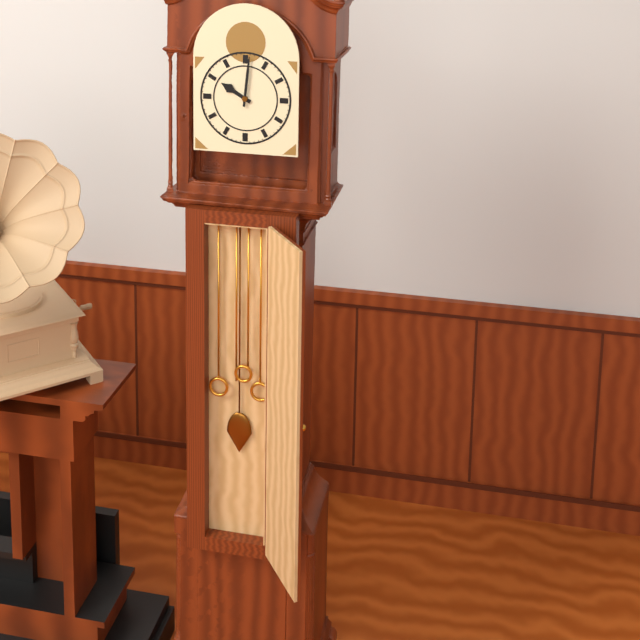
**10:01**
